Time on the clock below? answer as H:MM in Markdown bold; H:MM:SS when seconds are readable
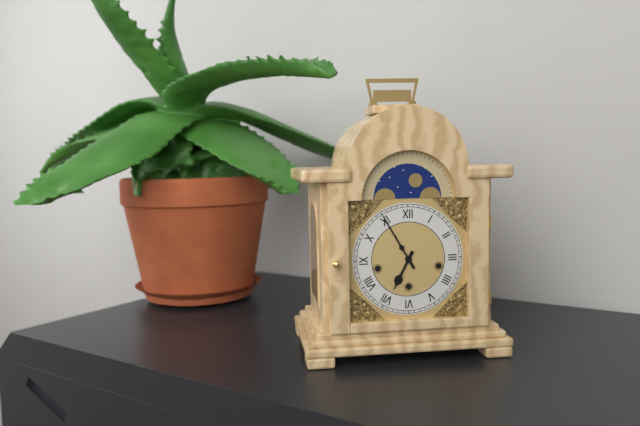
**6:55**
